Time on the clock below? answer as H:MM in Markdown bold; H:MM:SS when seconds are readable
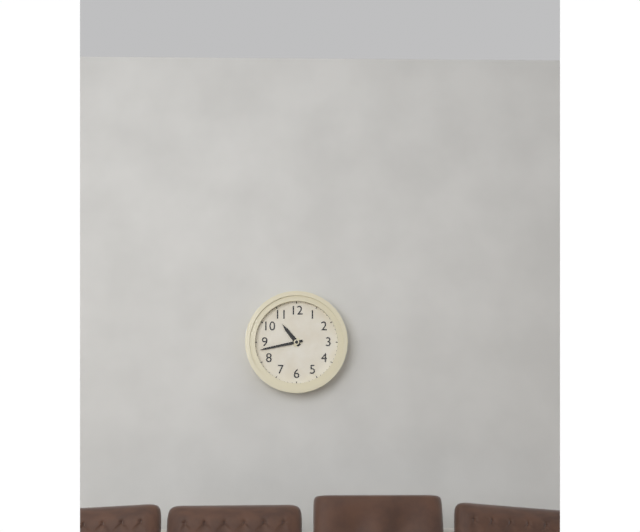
**10:43**
